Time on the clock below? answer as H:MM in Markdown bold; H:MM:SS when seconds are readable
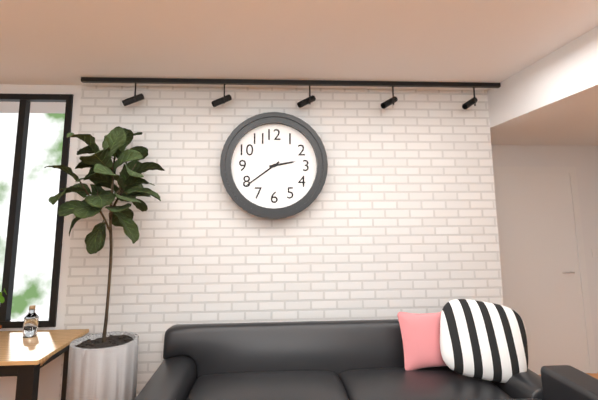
**2:39**
